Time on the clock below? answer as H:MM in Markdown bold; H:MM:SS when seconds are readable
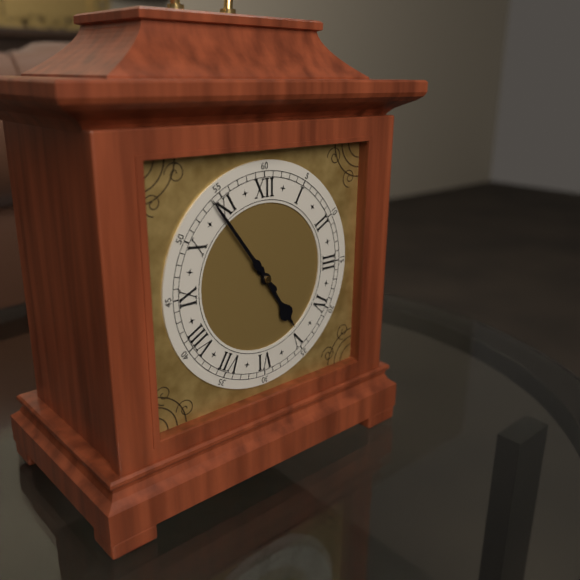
**4:54**
